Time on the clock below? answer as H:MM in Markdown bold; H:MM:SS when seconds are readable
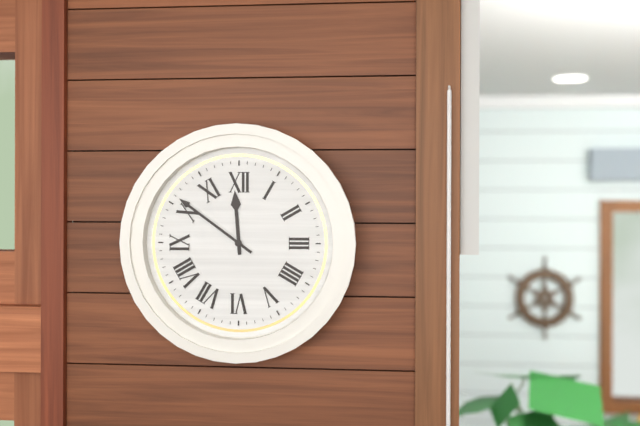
**11:51**
